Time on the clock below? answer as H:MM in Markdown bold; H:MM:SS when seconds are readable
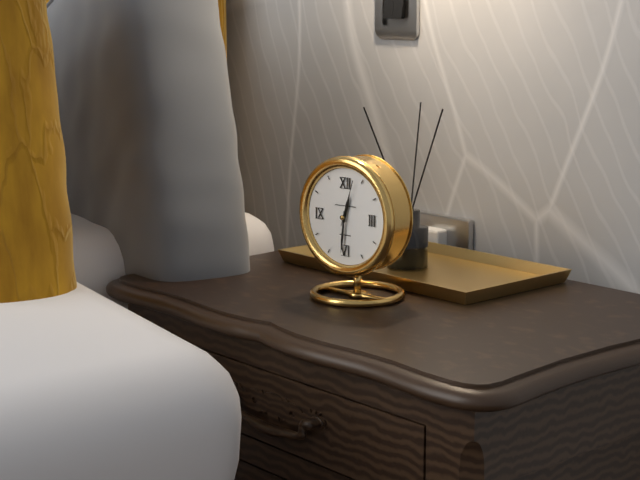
**12:31**
